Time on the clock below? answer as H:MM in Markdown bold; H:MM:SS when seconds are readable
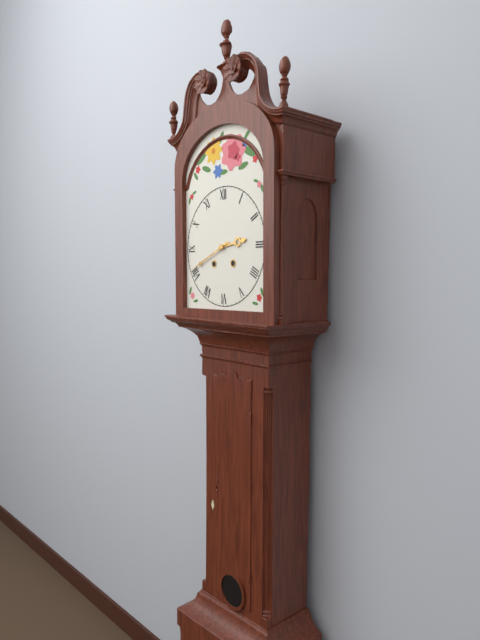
**2:41**
